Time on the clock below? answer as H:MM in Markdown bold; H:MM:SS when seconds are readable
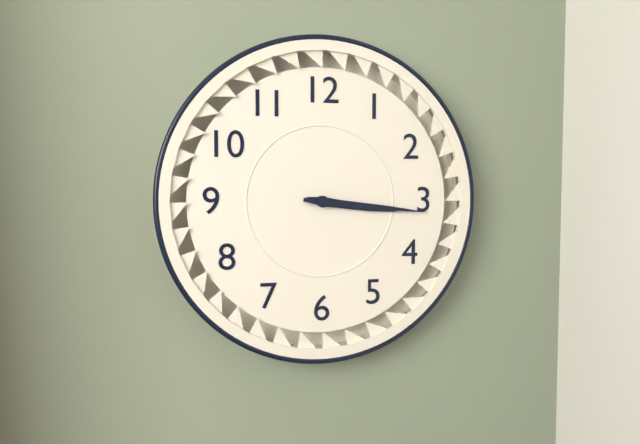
**3:16**
